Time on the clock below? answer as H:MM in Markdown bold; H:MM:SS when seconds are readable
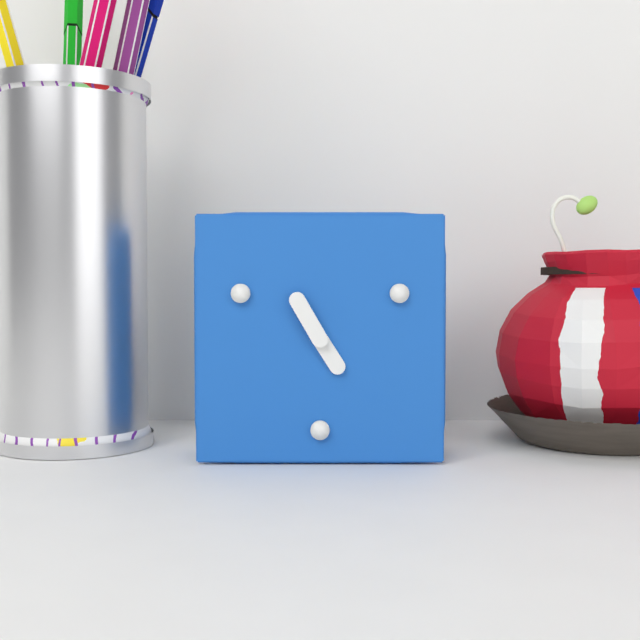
**4:55**
